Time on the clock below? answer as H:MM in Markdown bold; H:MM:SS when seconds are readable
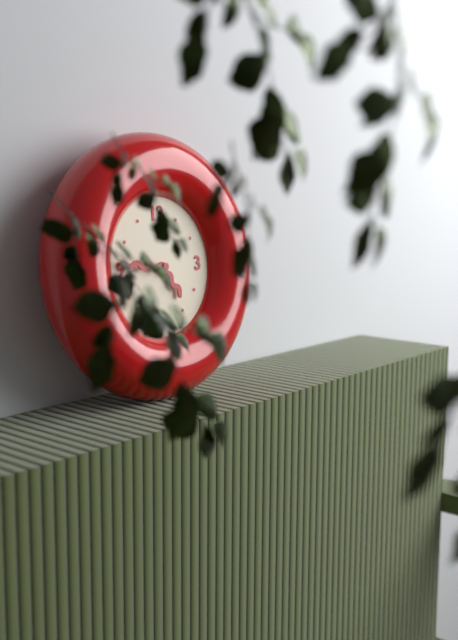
**4:46**
